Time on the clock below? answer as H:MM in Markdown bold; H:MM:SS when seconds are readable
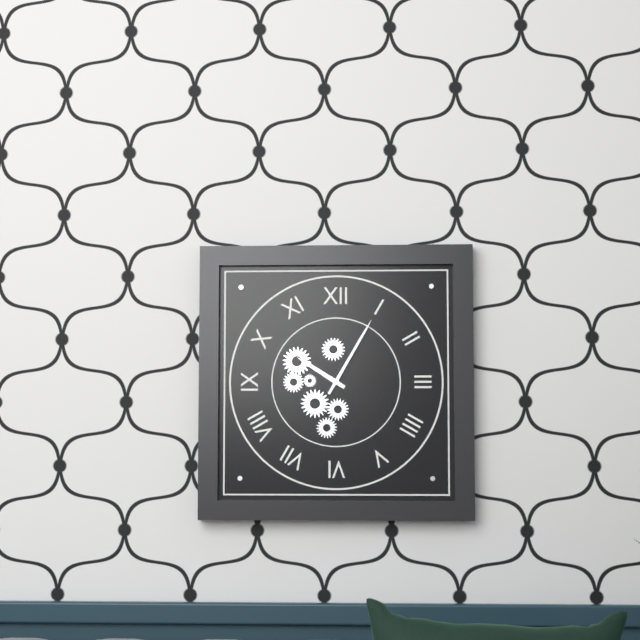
**10:05**
